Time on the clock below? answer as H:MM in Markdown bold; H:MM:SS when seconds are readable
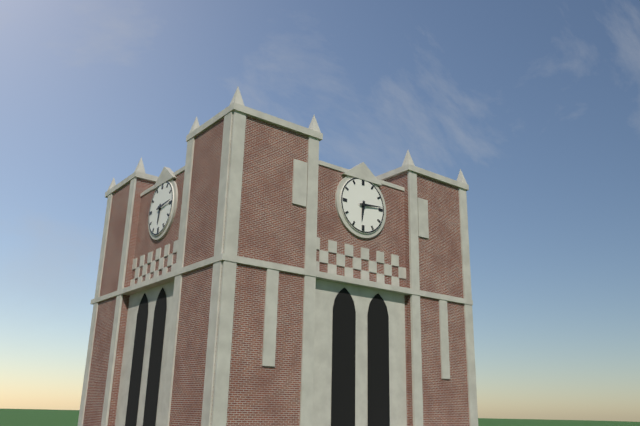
**6:14**
